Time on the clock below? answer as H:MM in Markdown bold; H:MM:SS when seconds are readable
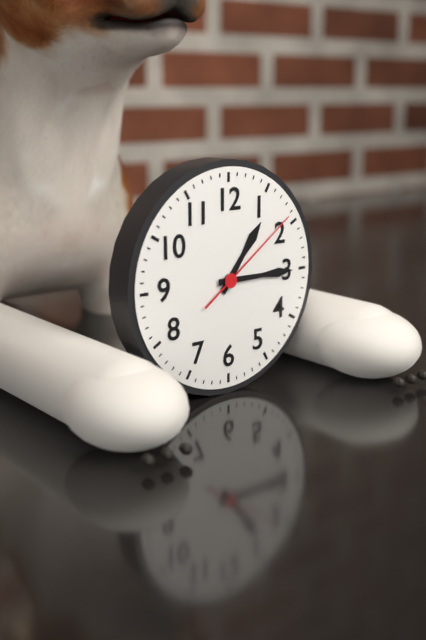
**1:15:09**
